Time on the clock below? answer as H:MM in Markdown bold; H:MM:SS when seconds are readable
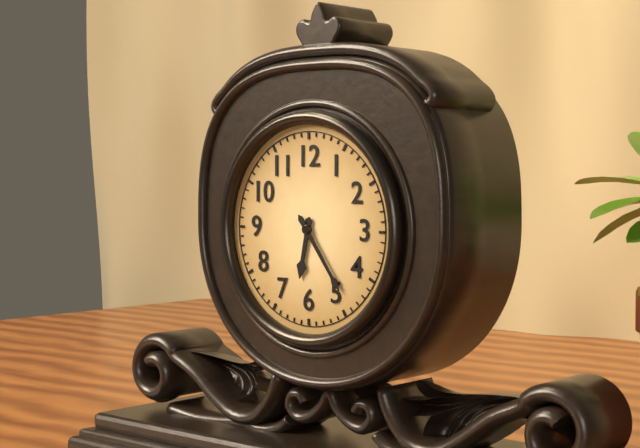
**6:24**
